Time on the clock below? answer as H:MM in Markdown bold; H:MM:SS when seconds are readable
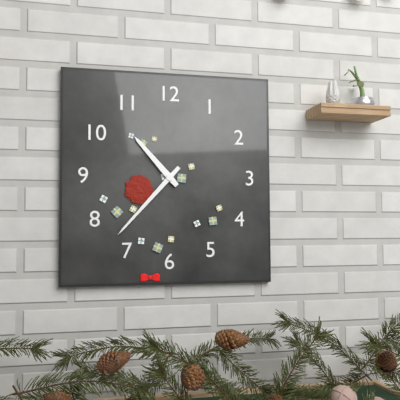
**10:37**
